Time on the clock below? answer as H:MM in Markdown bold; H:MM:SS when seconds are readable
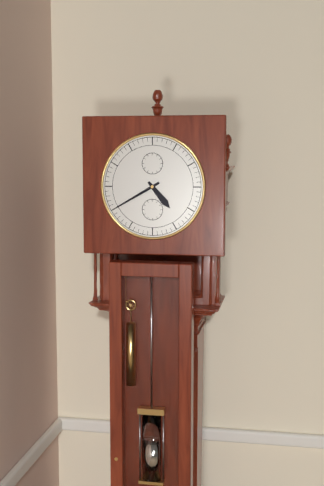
**4:40**
